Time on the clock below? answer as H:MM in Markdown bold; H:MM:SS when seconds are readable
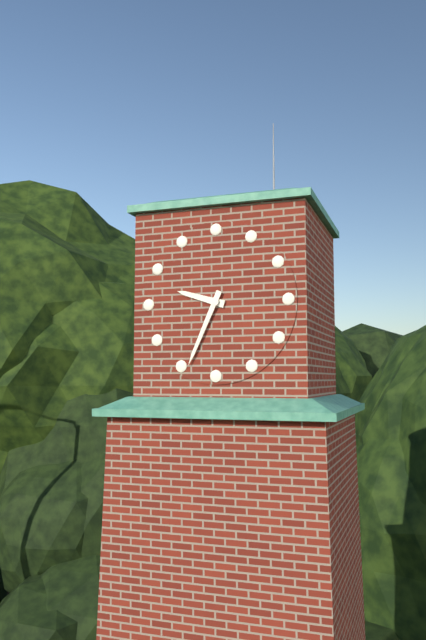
**9:34**
